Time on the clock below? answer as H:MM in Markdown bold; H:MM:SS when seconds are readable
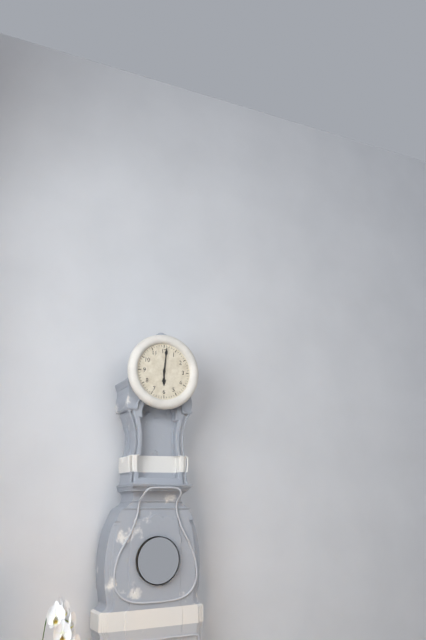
**6:01**
